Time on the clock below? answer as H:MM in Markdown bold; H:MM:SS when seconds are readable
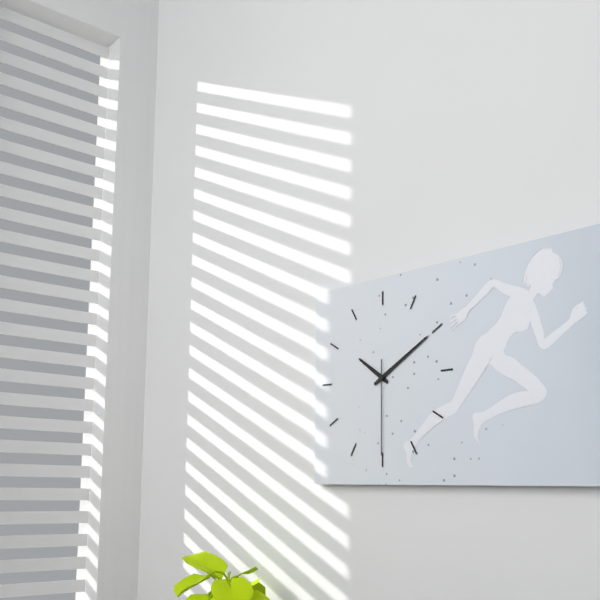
**10:10:30**
